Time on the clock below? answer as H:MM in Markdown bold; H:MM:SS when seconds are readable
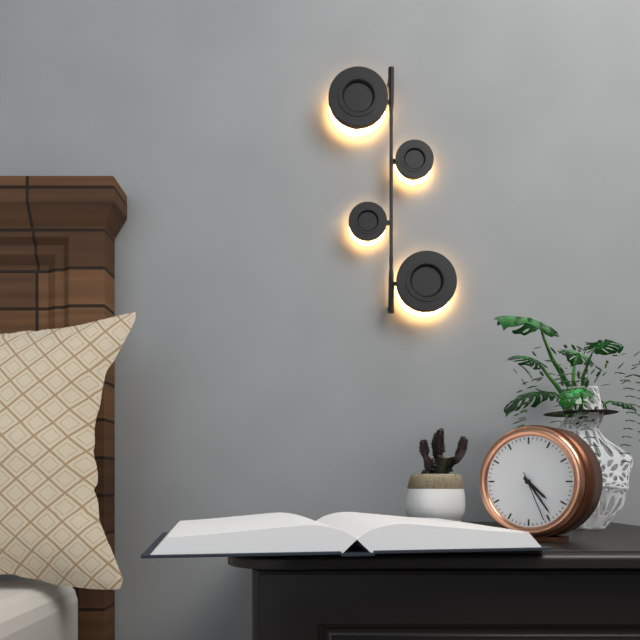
**4:24**
